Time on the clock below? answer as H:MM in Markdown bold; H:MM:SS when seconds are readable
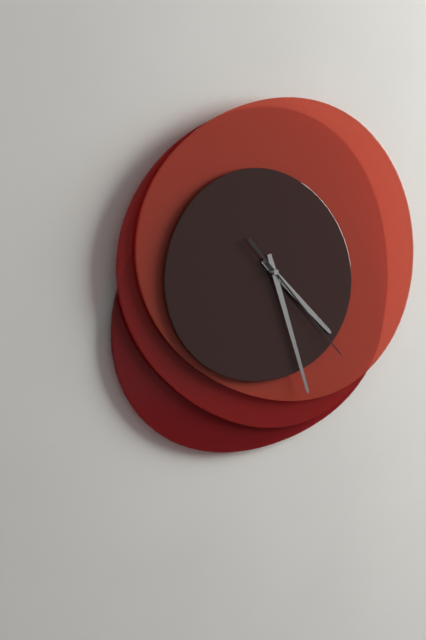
**4:27:23**
